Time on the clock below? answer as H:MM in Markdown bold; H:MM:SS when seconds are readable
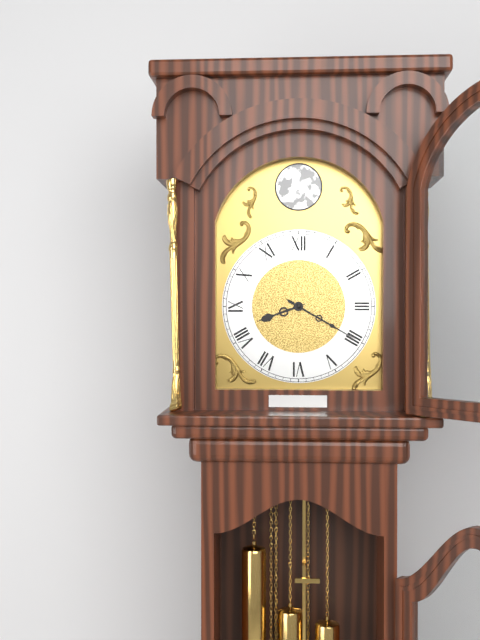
**8:20**
